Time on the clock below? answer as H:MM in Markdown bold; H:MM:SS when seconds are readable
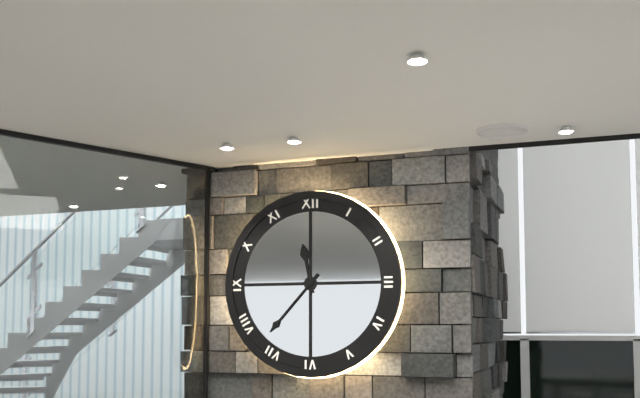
**11:37**
